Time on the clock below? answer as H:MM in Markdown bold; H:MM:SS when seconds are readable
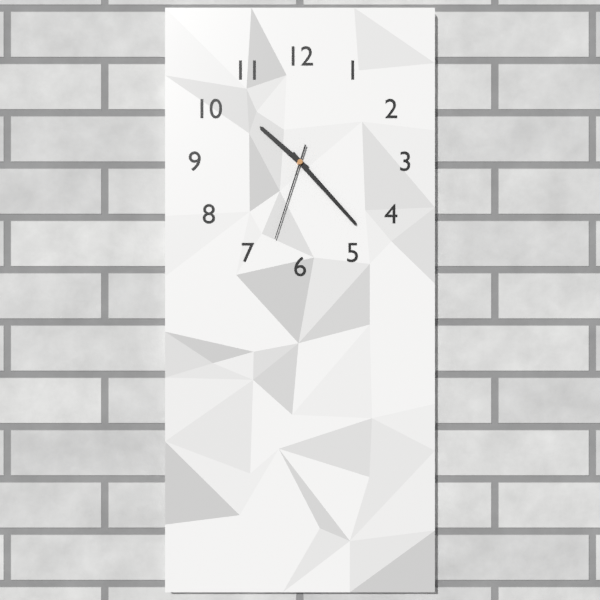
**10:23:33**
